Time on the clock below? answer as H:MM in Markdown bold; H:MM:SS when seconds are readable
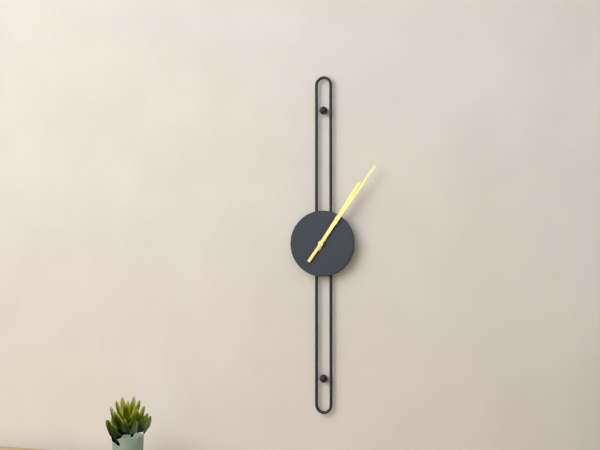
**1:06**
